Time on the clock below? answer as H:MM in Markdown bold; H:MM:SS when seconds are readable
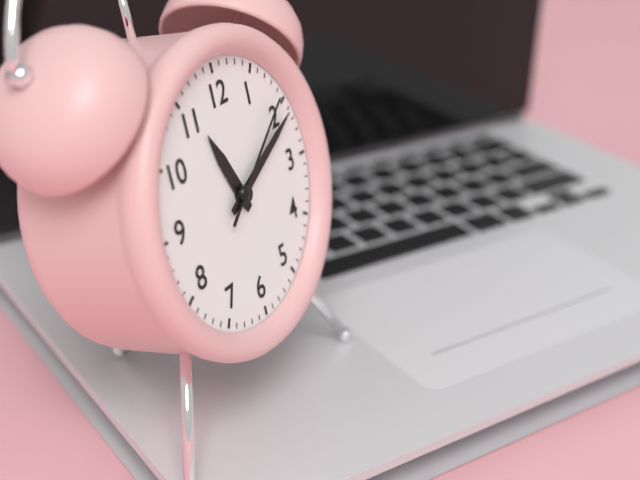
**11:11:09**
